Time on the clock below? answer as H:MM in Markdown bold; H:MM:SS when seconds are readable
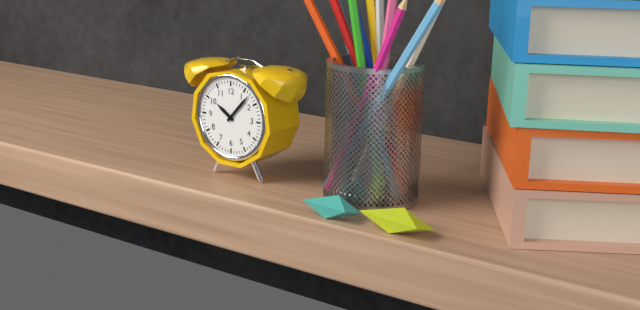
**10:07**
